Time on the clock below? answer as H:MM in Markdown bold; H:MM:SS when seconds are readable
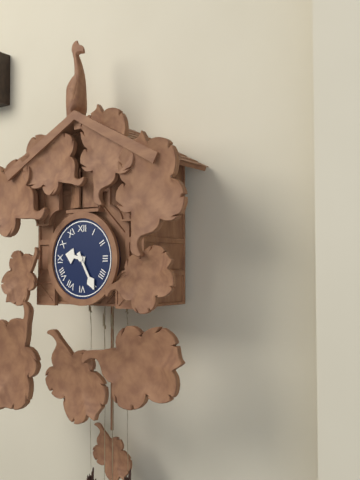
**9:25**
